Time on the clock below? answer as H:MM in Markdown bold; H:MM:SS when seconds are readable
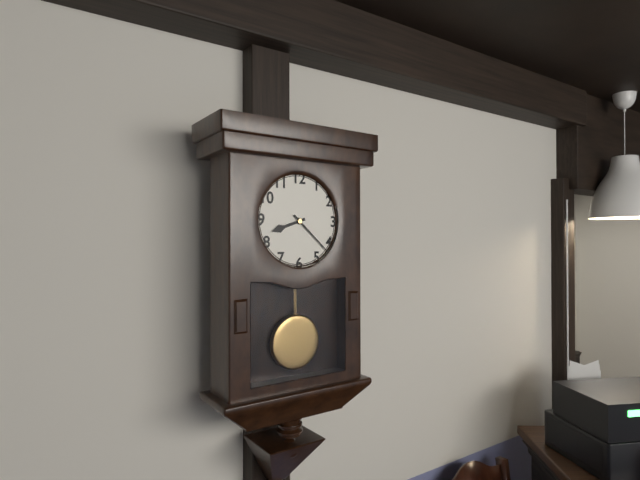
**8:22**
